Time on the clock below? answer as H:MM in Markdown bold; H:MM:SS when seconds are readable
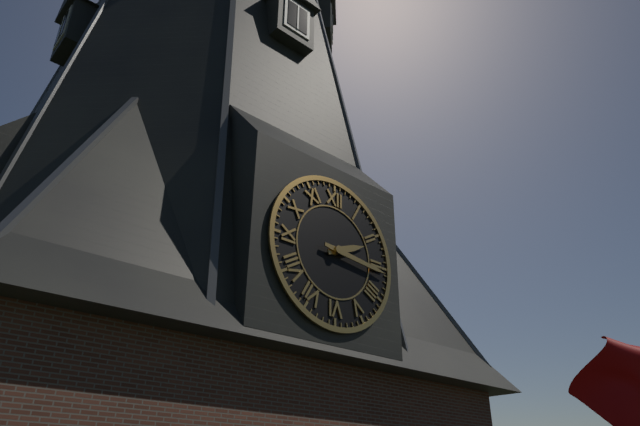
**2:16**
